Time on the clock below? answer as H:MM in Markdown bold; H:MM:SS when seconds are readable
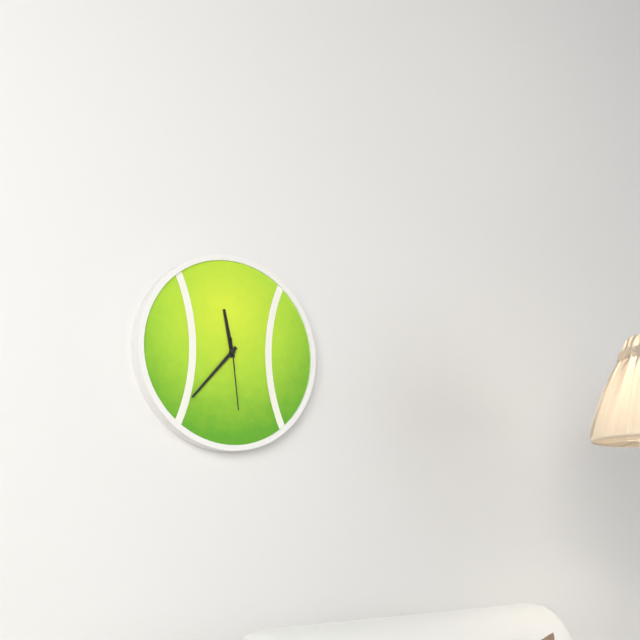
**11:37:29**
